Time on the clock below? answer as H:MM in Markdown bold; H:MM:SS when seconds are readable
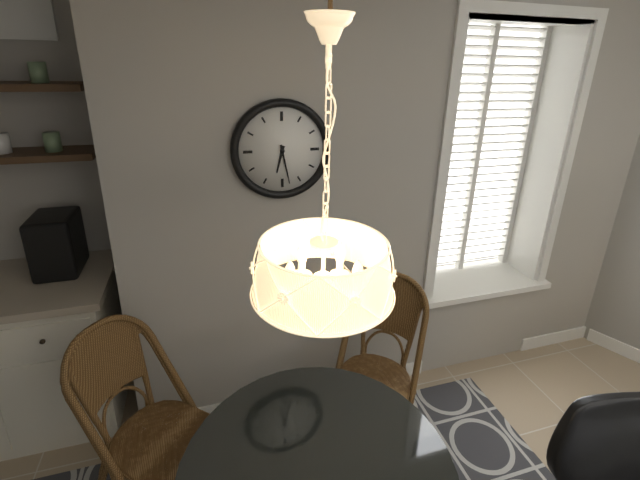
**6:28**
